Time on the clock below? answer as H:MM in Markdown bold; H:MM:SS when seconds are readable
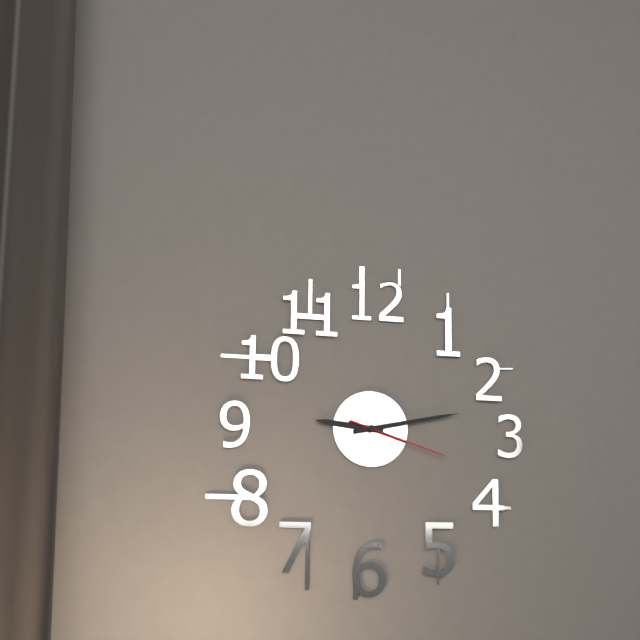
**9:13:18**
